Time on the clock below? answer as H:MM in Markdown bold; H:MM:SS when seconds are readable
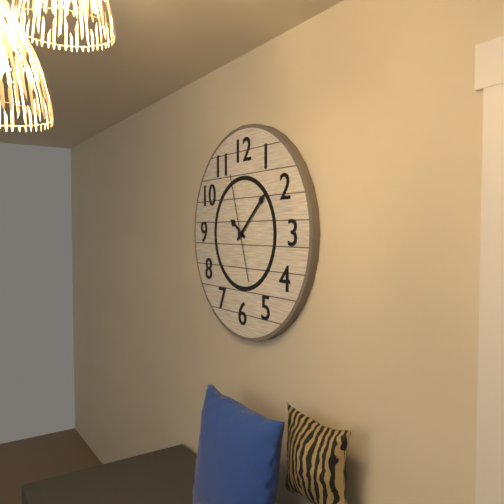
**10:08:57**
